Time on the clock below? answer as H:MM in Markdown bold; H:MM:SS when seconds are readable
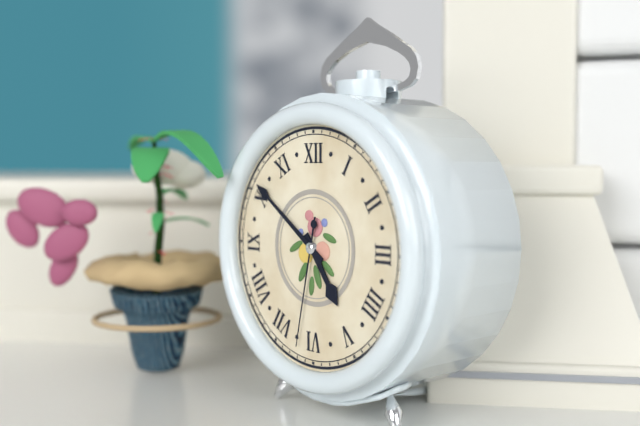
**4:51:32**
